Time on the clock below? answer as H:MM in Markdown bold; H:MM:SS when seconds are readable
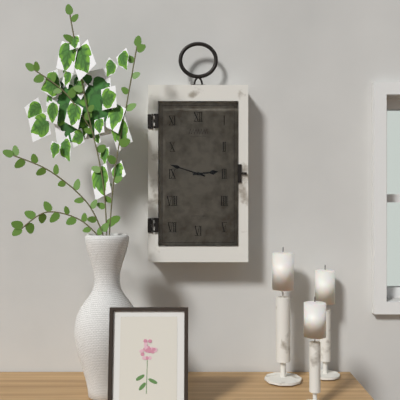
**2:48**
